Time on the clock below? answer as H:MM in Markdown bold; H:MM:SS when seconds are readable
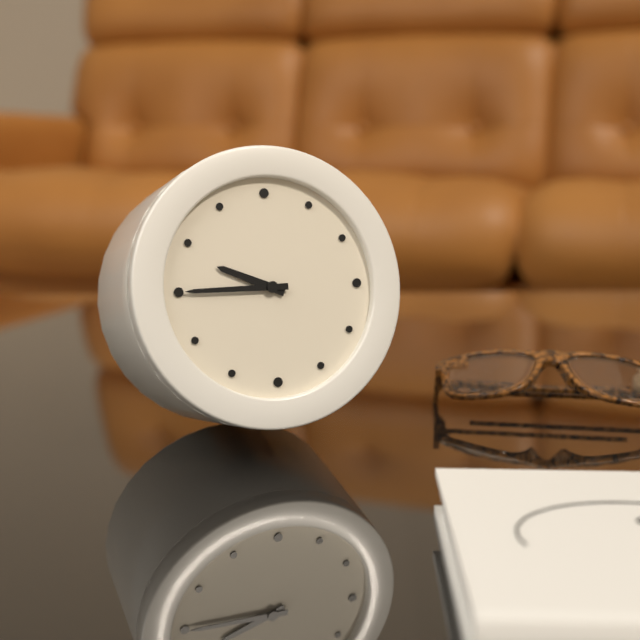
**9:45**
